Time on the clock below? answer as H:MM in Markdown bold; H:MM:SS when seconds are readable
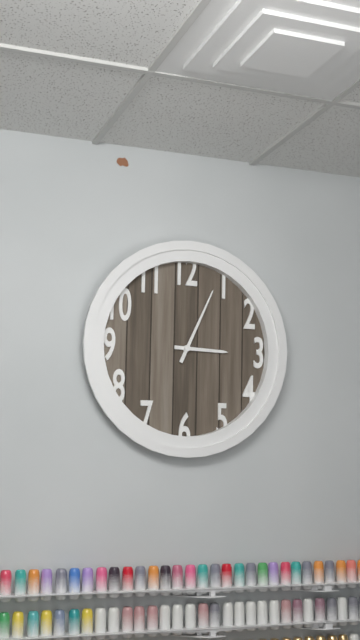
**3:04**
